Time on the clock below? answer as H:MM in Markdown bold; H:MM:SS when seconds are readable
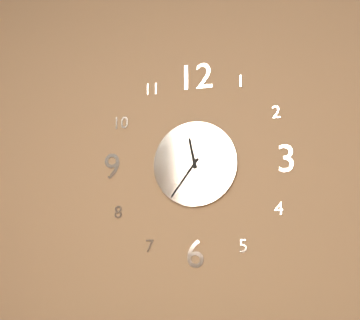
**11:36**
